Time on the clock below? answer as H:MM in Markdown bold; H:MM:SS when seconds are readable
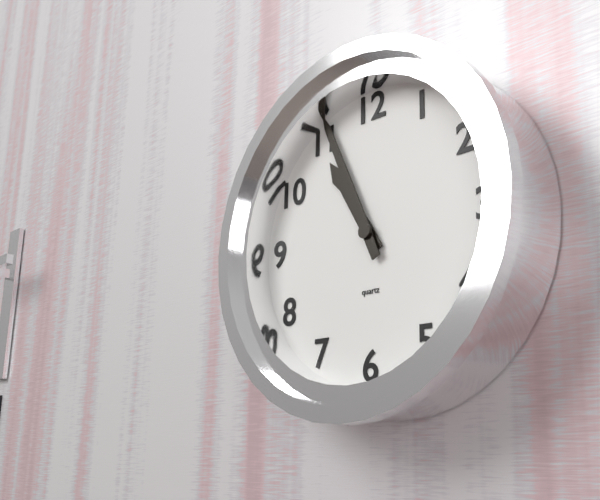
**10:56**
